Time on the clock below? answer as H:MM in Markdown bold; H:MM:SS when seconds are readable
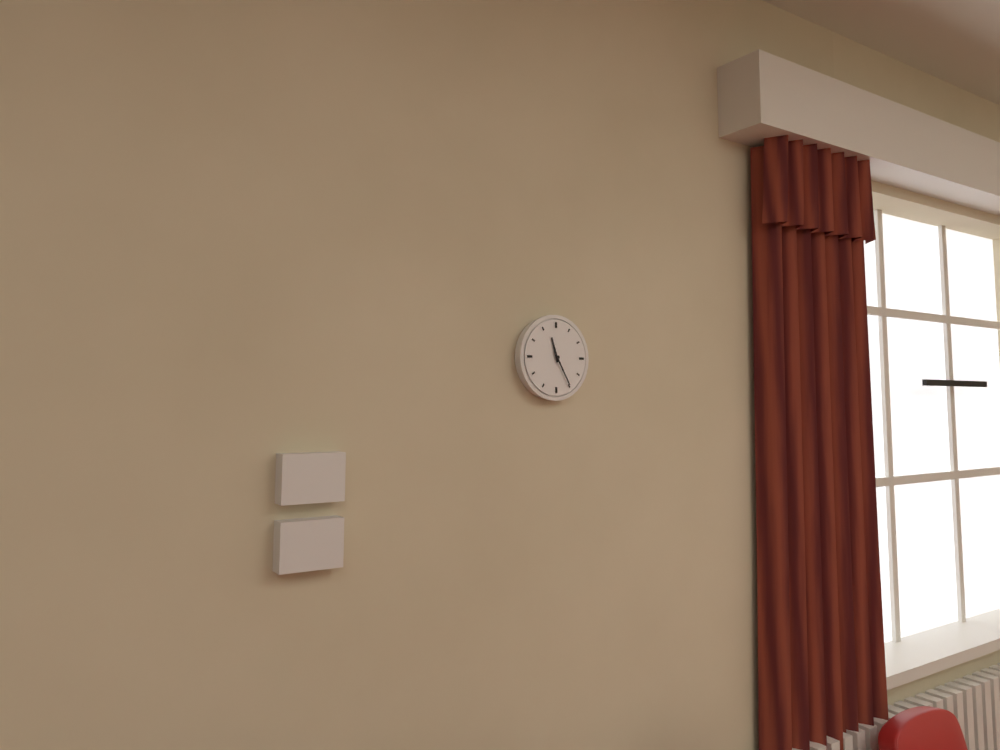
**11:25**
